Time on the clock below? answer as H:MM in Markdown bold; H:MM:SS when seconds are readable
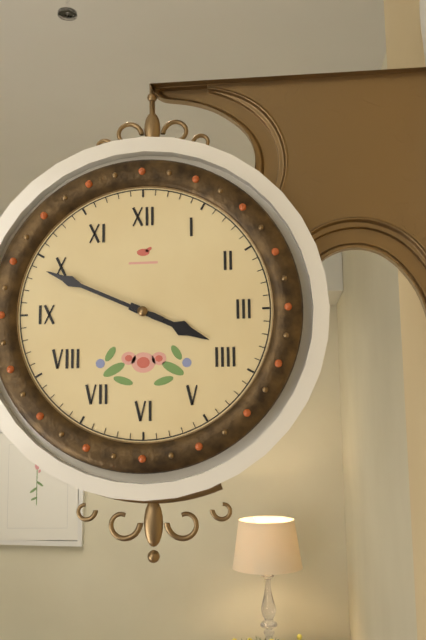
**3:49**
